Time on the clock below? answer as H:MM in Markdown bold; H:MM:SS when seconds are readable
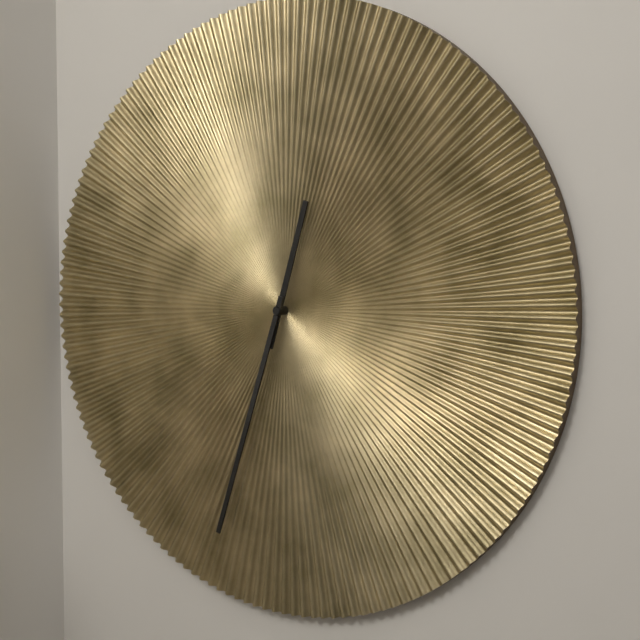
**12:33**
